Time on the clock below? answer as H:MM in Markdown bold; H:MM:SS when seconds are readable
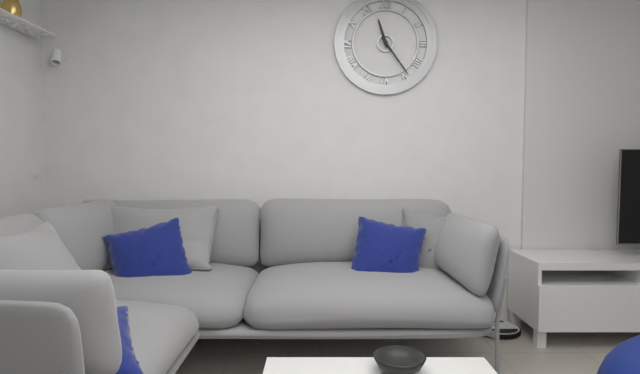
**11:24**
